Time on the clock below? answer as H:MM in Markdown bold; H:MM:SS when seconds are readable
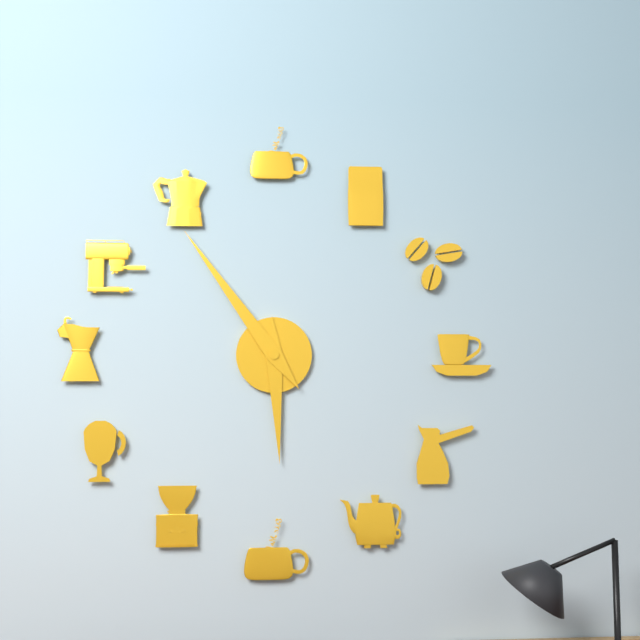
**5:54**
